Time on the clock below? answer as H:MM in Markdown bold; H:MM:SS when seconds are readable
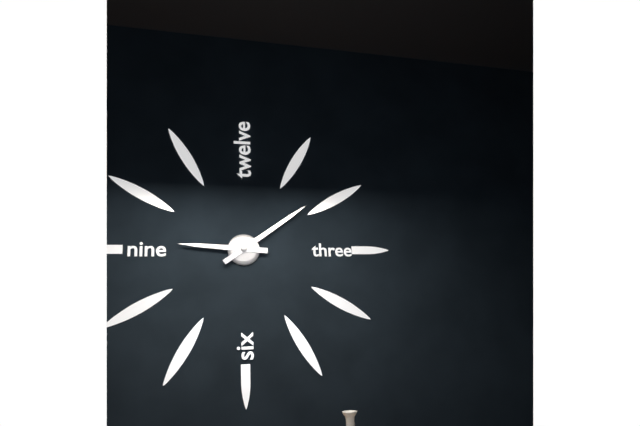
**9:09**
